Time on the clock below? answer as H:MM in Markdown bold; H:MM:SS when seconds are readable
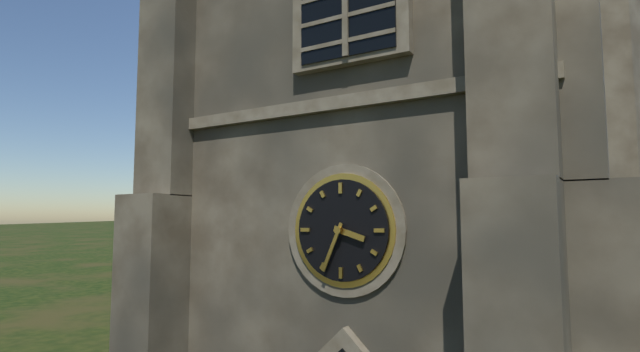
**3:34**
